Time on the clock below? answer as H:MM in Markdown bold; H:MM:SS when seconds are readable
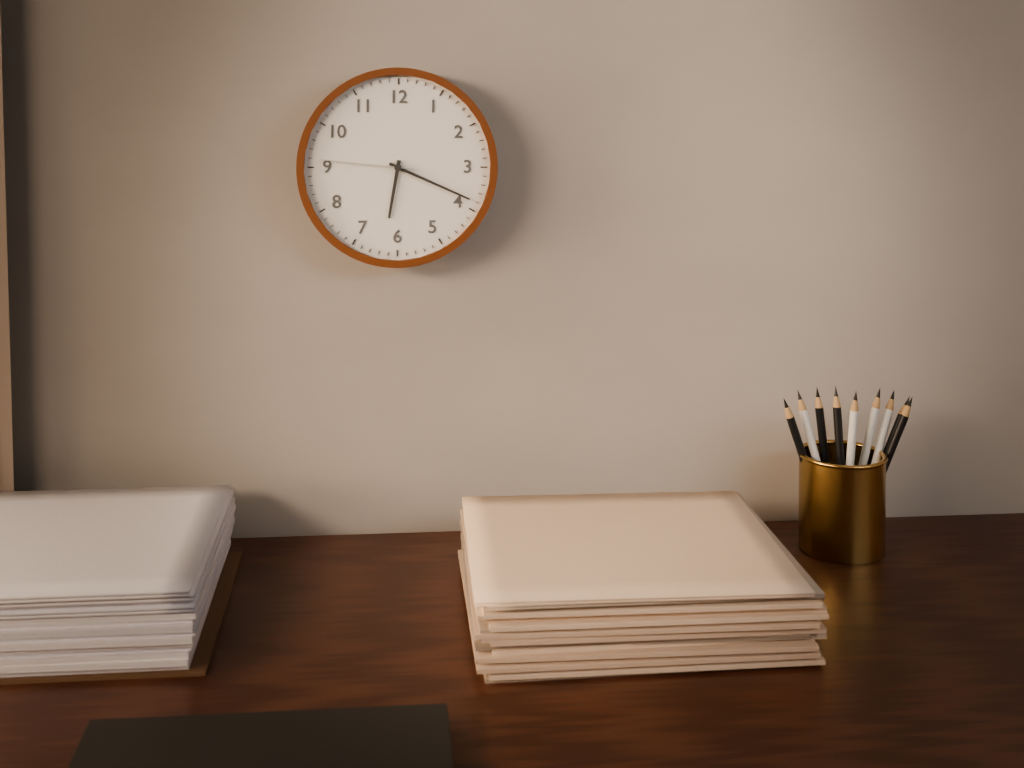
**6:19:46**
